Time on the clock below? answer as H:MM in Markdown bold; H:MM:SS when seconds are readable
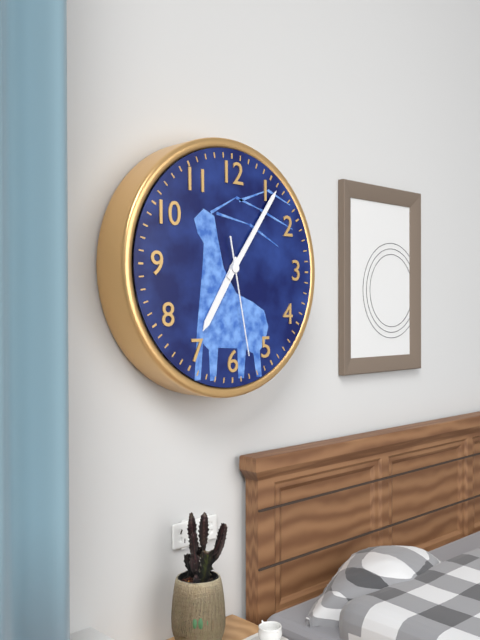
**7:06:28**
